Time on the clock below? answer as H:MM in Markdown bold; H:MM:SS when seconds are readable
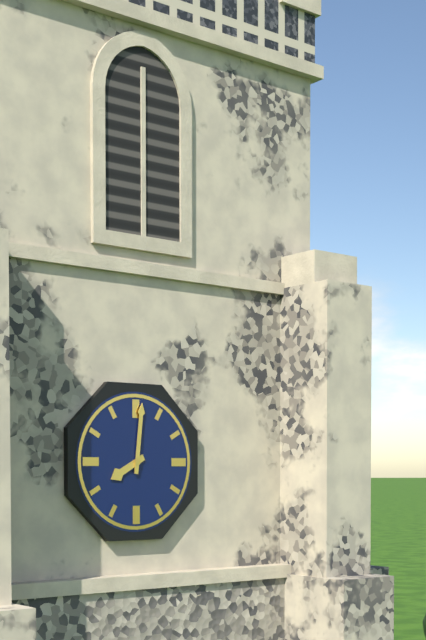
**8:01**
